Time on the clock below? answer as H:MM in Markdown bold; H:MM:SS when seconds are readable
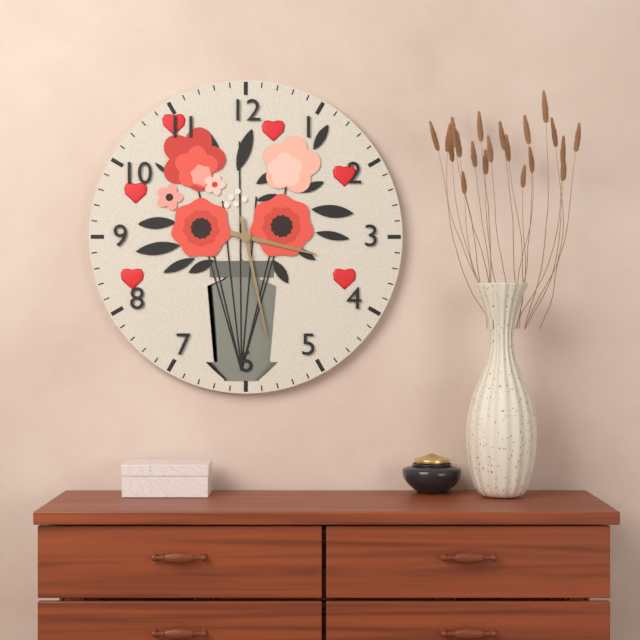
**3:28**
